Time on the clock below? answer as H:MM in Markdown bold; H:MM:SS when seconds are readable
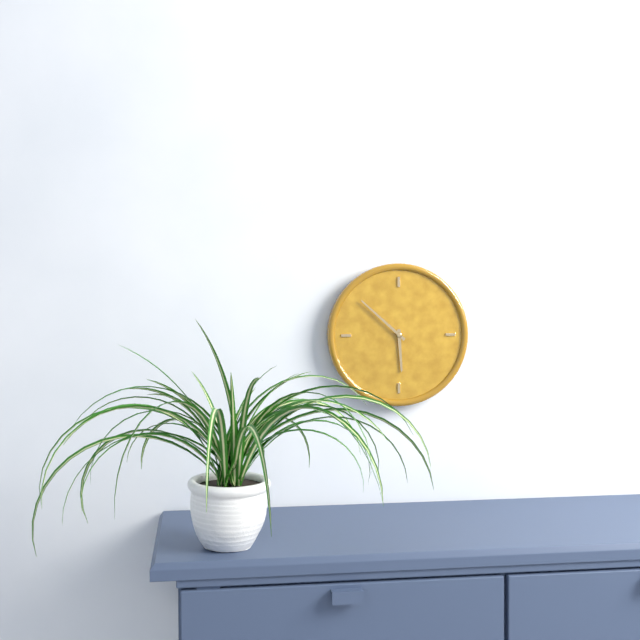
**5:52**
